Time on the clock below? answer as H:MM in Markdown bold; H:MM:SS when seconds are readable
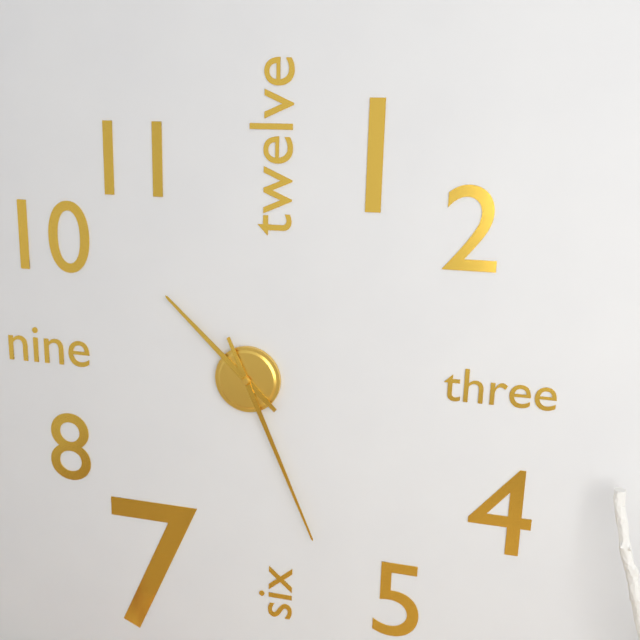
**10:26**
